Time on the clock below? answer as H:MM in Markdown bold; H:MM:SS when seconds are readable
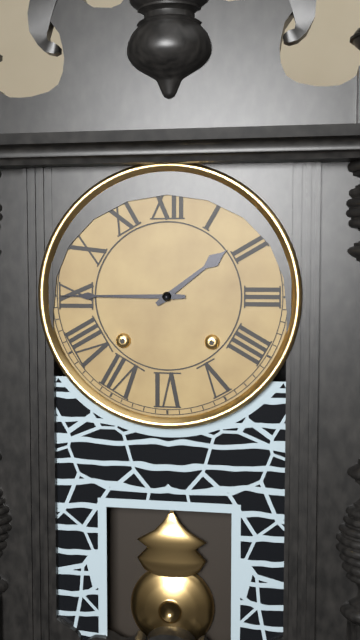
**1:45**
